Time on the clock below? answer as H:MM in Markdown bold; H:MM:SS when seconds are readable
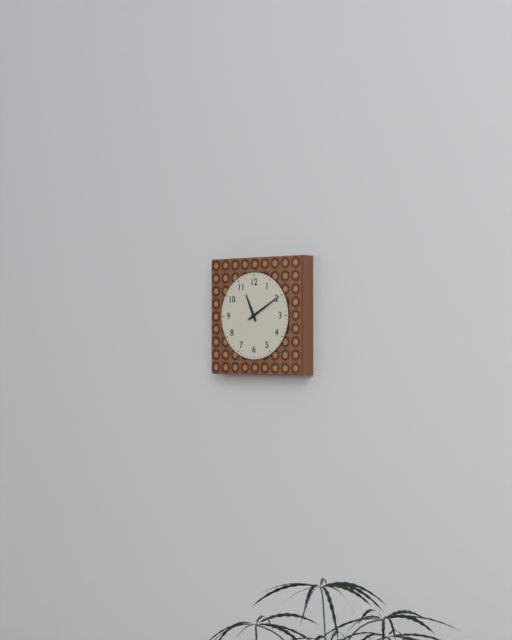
**11:10**
